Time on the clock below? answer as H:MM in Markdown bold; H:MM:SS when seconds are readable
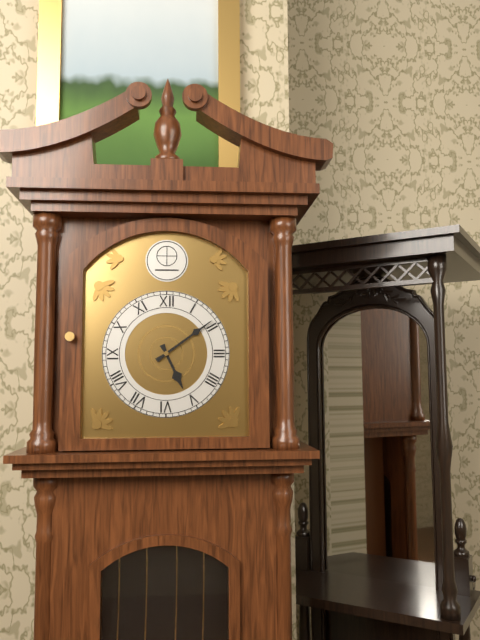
**5:09**
